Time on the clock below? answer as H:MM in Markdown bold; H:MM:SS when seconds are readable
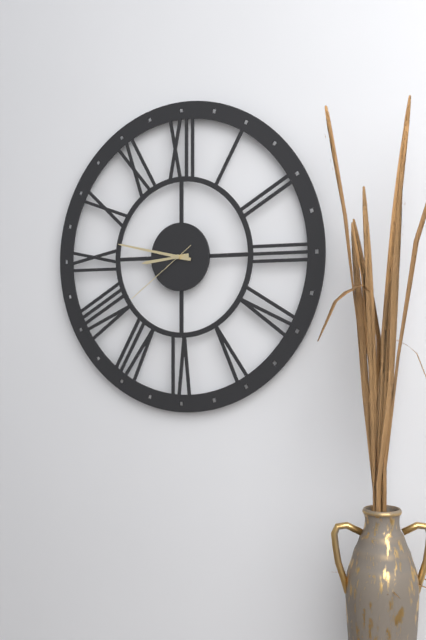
**8:47:39**
